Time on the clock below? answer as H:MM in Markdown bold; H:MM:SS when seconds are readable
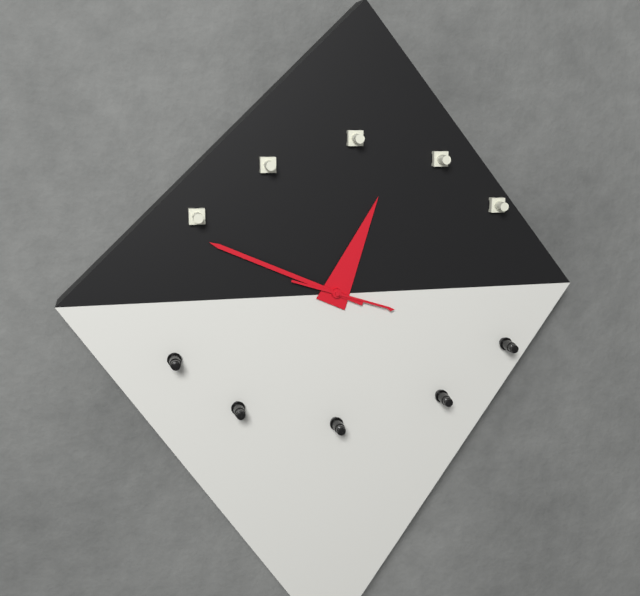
**12:49:18**
